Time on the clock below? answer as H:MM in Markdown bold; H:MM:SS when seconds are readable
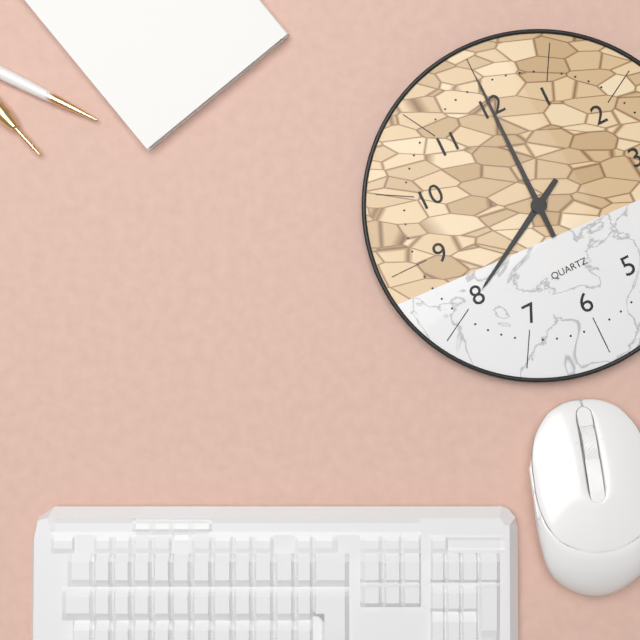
**8:00**
